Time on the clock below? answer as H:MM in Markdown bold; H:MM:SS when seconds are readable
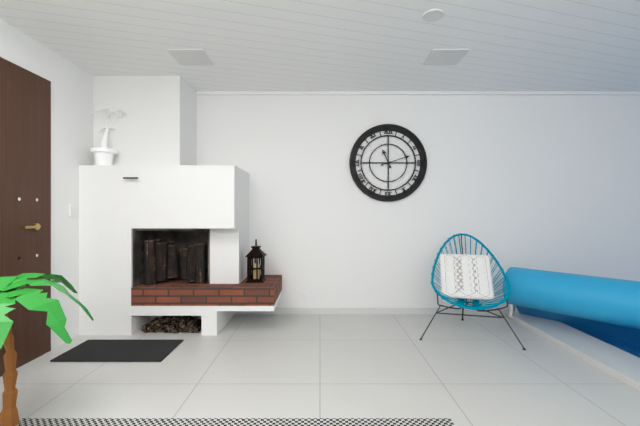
**11:12**
